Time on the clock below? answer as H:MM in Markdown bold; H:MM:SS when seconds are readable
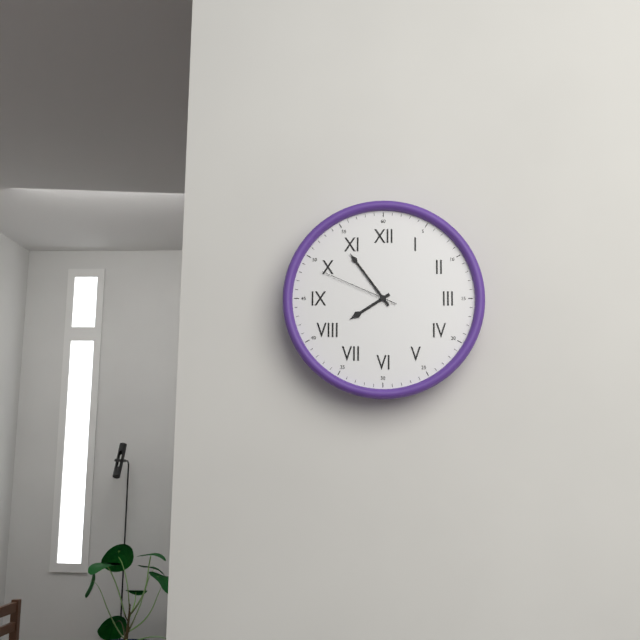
**7:54:49**
